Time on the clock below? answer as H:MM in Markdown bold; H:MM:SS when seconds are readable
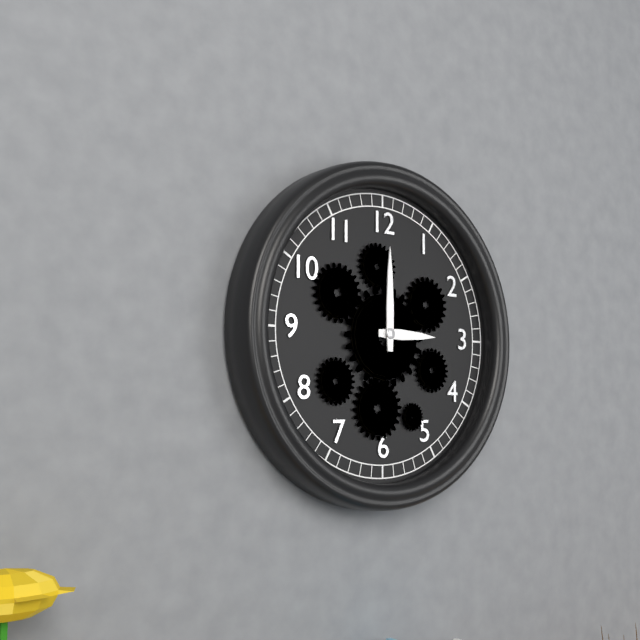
**3:00**
